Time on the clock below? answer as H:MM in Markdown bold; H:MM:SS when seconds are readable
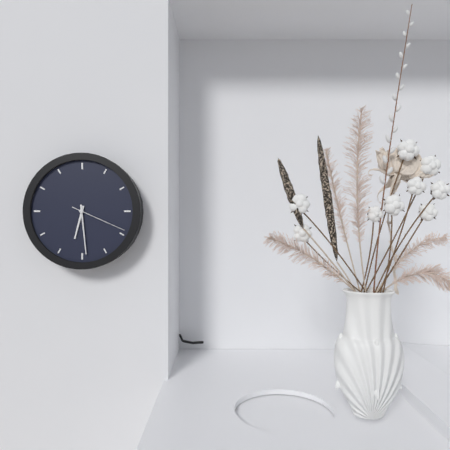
**6:29:19**
